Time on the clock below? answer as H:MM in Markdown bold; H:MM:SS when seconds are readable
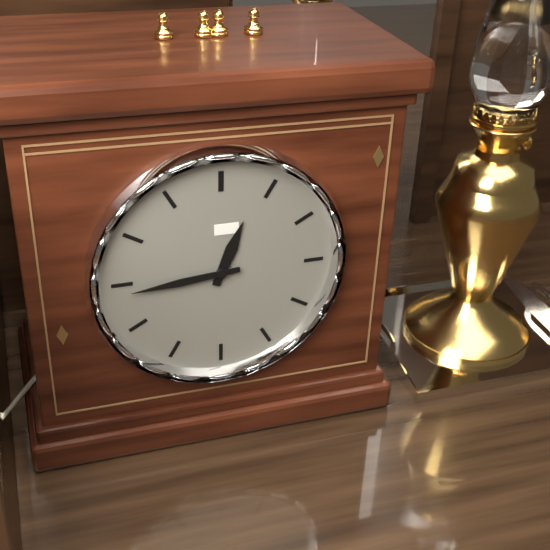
**12:44**
